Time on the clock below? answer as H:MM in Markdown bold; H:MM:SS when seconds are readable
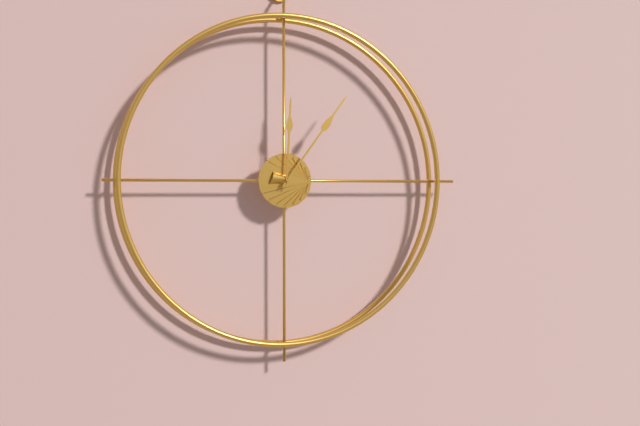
**12:06**
